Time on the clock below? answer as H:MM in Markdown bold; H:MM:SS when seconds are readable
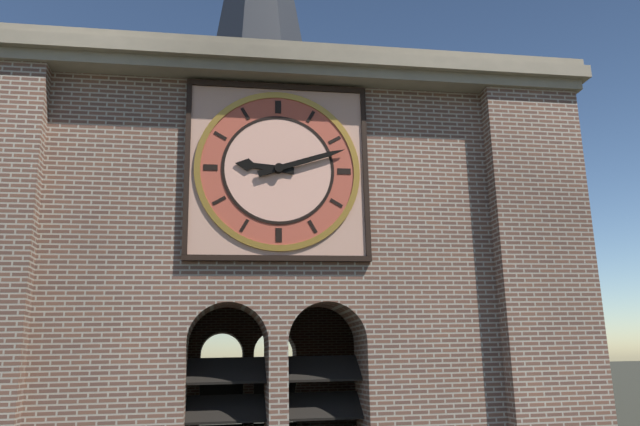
**9:12**
